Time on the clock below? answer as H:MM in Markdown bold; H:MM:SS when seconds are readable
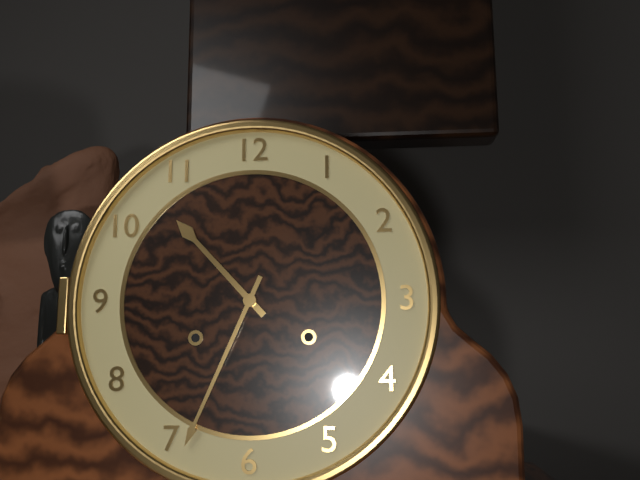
**10:34**
